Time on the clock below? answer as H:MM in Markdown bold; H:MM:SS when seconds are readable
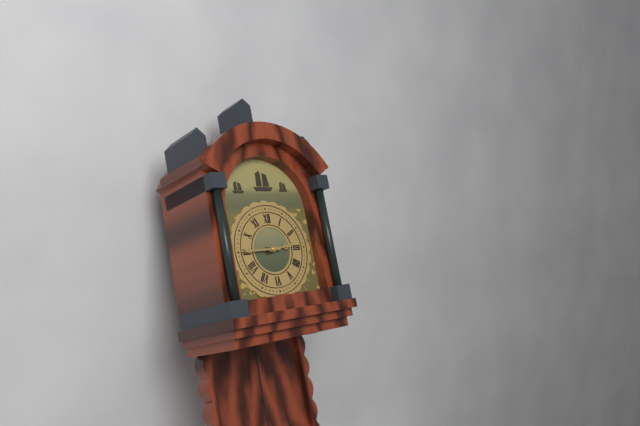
**2:45**
